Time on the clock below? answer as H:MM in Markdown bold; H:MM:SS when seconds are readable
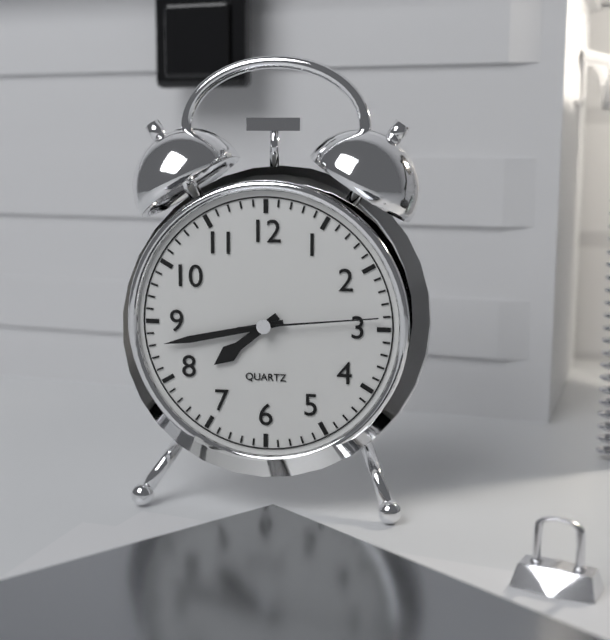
**7:43:14**
